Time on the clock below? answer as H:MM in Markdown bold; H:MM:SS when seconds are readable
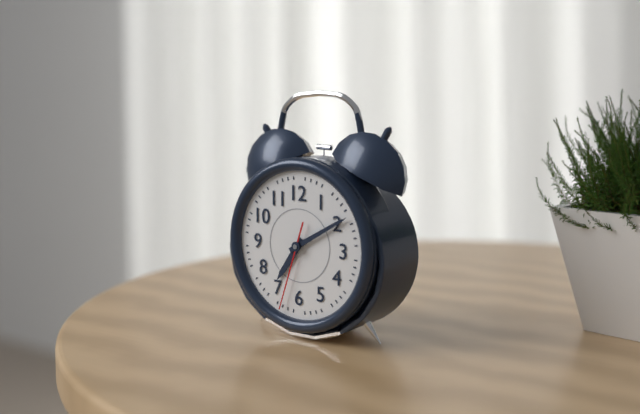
**7:10:33**
